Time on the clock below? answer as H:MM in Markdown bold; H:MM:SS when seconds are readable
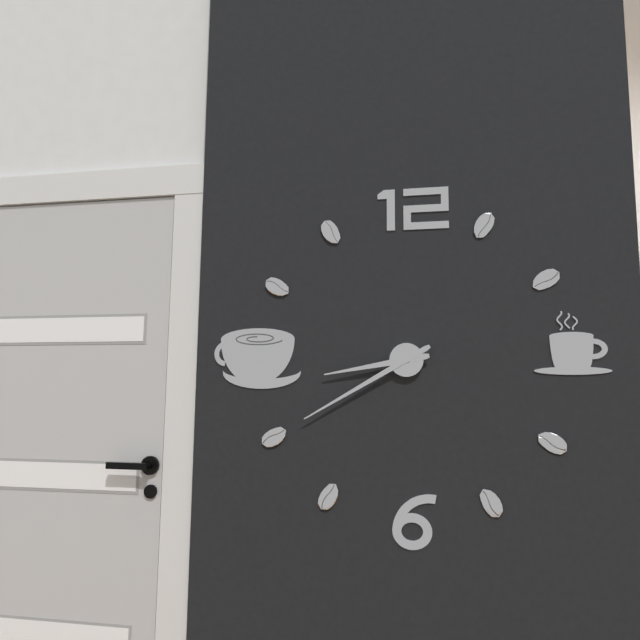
**8:40**
